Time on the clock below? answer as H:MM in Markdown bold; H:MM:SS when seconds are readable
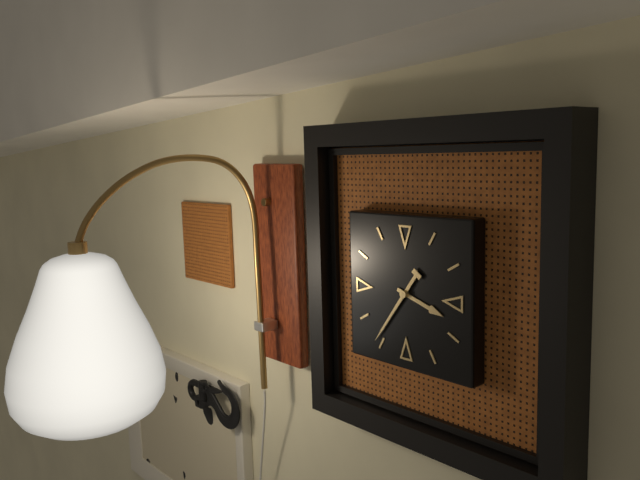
**3:36**
